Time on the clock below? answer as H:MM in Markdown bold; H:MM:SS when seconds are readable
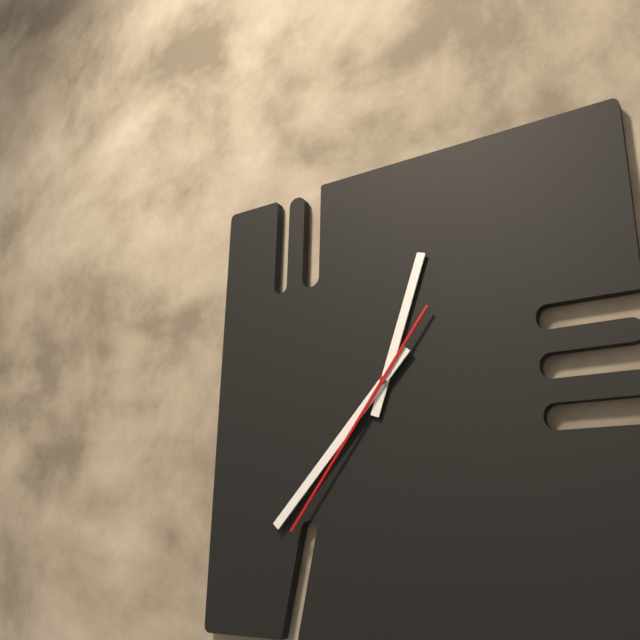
**12:37:36**
